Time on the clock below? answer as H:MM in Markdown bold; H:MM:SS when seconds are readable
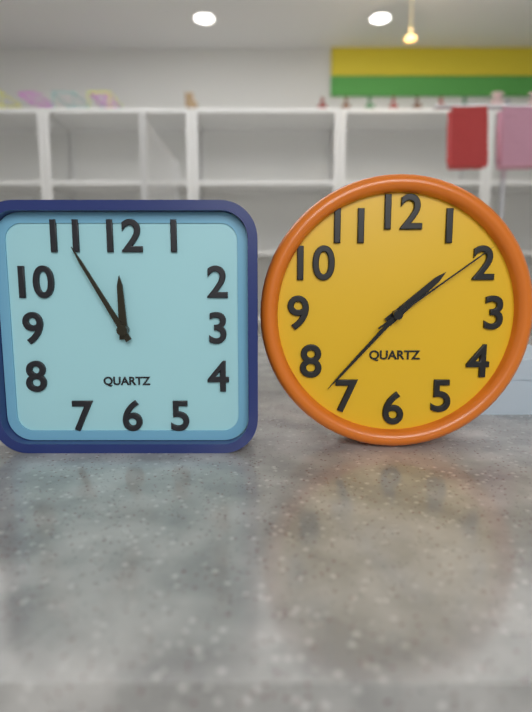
**11:55**
